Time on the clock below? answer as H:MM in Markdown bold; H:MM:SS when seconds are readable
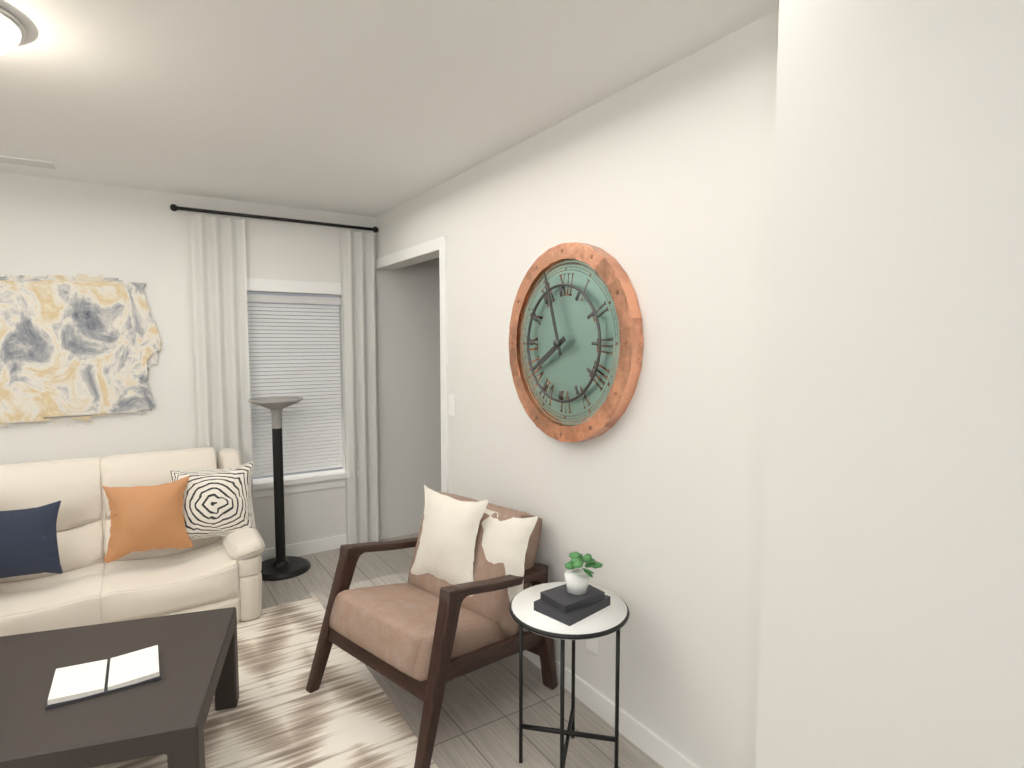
**7:57**
